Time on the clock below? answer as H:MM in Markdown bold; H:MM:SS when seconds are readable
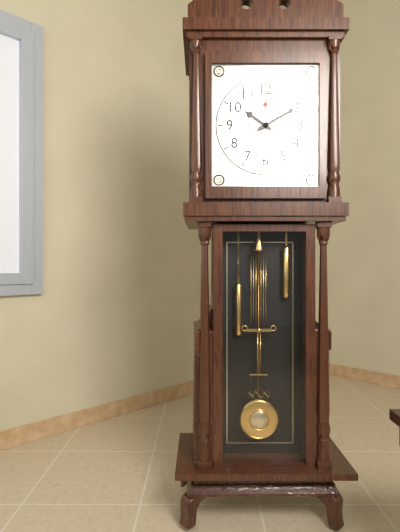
**10:10**
